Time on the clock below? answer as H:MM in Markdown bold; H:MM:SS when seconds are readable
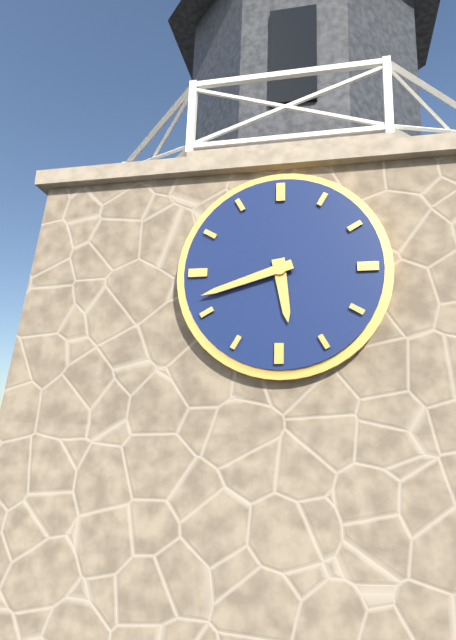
**5:42**
